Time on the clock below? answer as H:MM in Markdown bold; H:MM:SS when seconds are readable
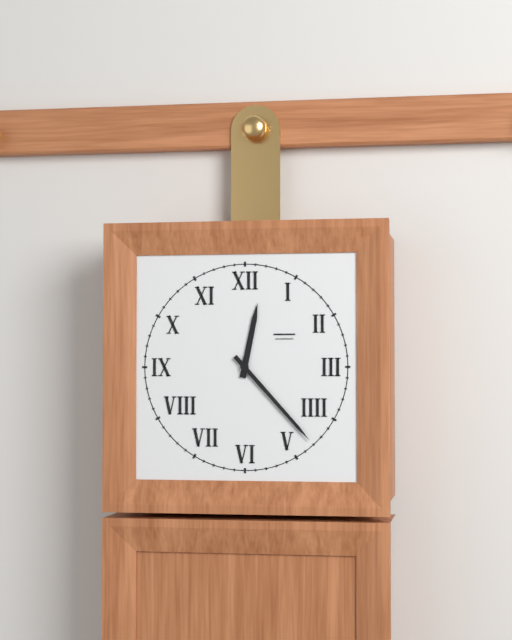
**12:23**
